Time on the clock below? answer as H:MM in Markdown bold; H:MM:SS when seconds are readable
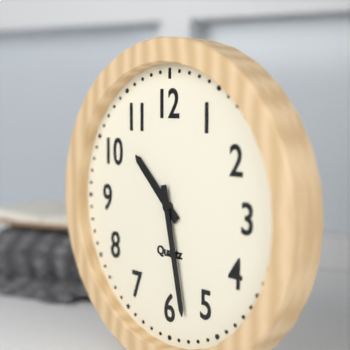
**10:28**
